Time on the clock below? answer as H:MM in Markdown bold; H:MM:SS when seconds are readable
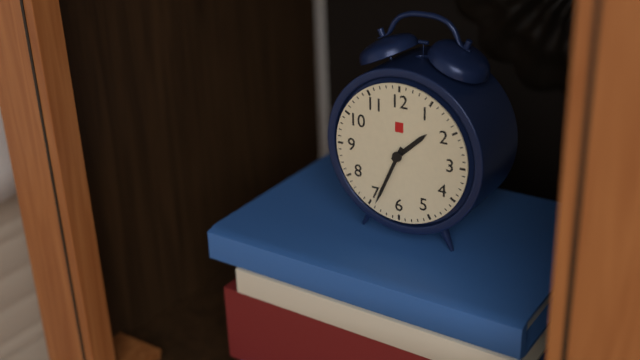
**1:34**
